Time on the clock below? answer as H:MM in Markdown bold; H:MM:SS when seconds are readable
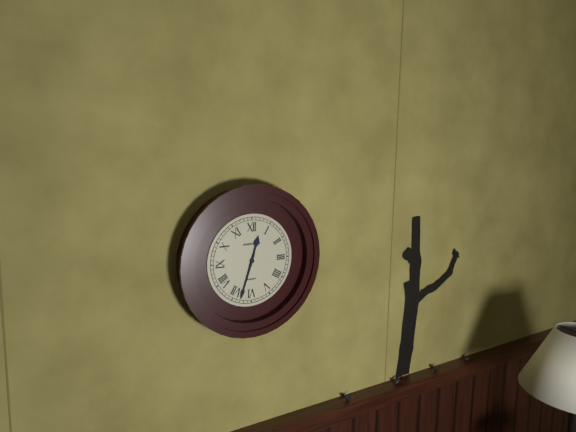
**12:33**
